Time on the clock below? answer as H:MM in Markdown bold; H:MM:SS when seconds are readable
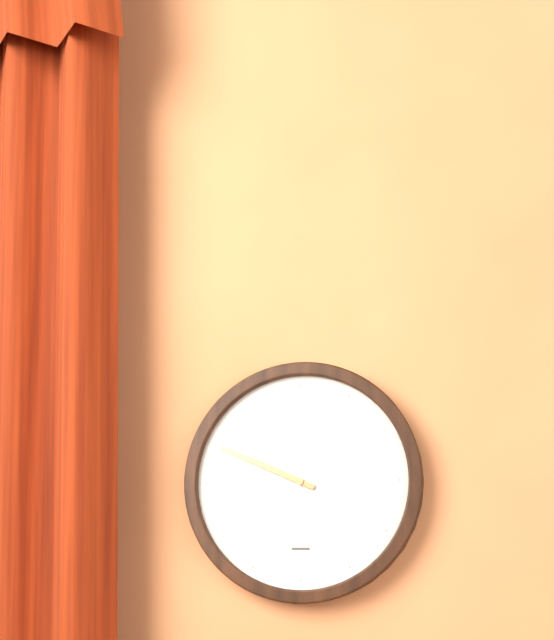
**9:49**
